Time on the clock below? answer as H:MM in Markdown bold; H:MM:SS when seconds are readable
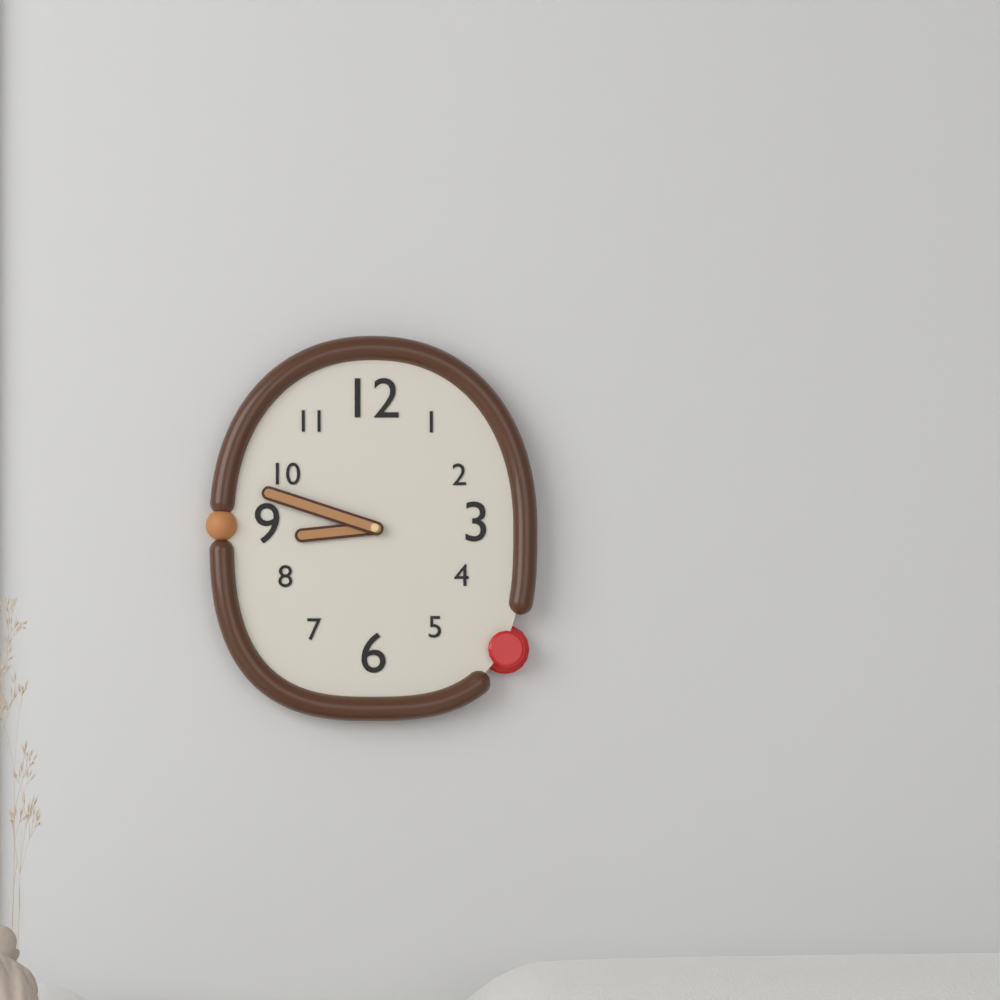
**8:48**
